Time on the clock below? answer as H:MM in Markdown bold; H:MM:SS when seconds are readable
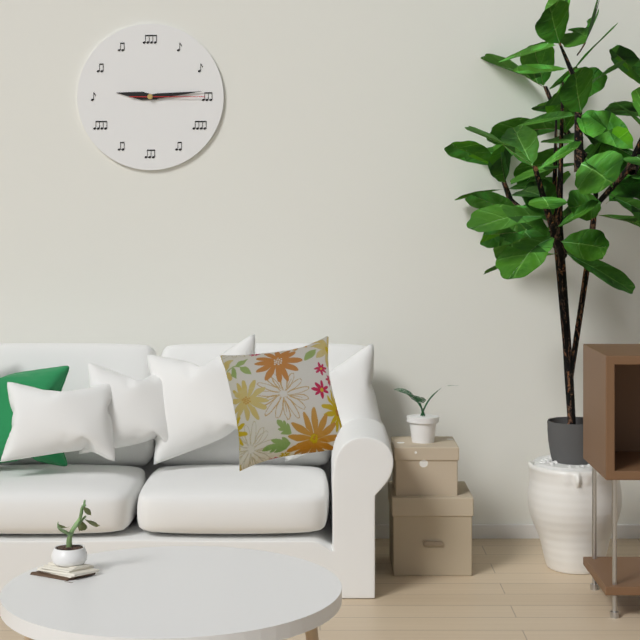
**9:14:15**
